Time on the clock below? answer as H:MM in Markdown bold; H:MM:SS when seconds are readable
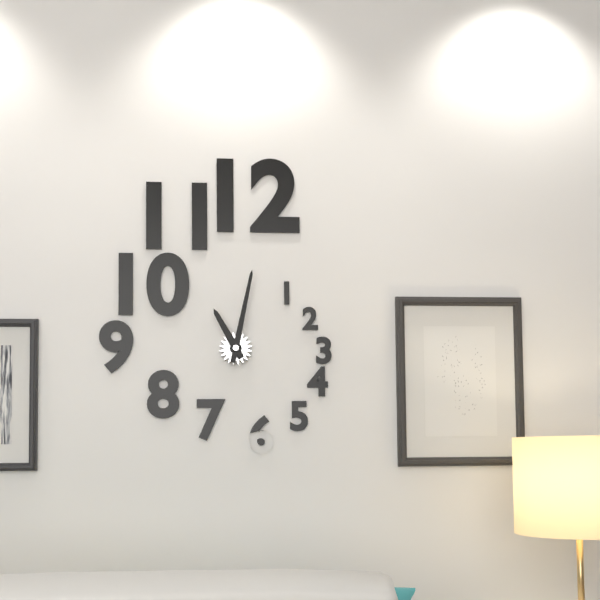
**11:02**
